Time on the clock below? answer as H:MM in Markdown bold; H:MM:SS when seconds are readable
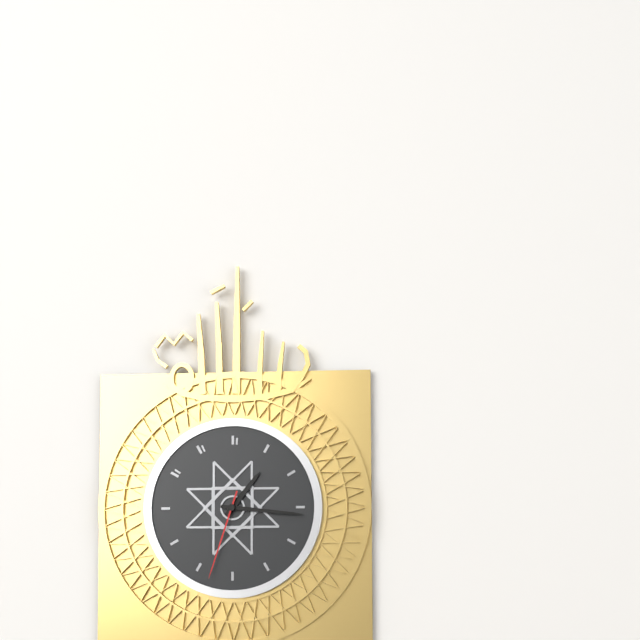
**1:16:33**
